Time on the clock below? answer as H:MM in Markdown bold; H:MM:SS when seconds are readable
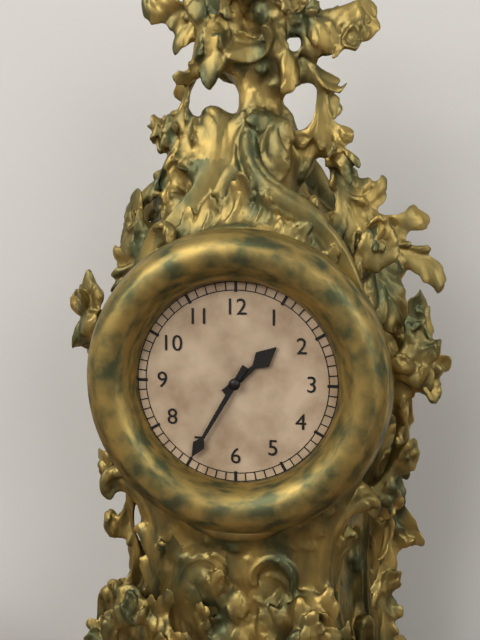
**1:35**
